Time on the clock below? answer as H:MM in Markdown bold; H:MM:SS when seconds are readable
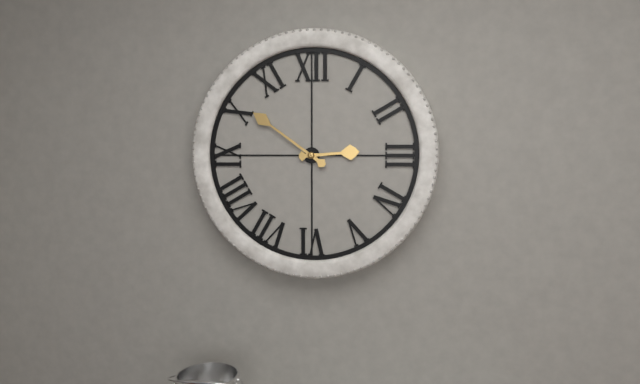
**2:51**
